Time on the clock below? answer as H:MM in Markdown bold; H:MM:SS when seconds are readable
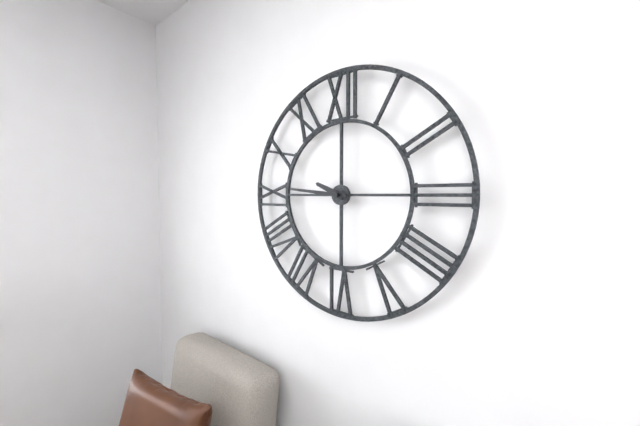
**9:46**
